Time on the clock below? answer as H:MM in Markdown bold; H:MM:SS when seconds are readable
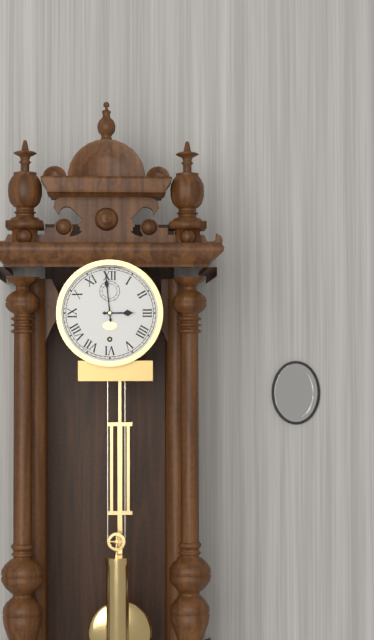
**2:59**
